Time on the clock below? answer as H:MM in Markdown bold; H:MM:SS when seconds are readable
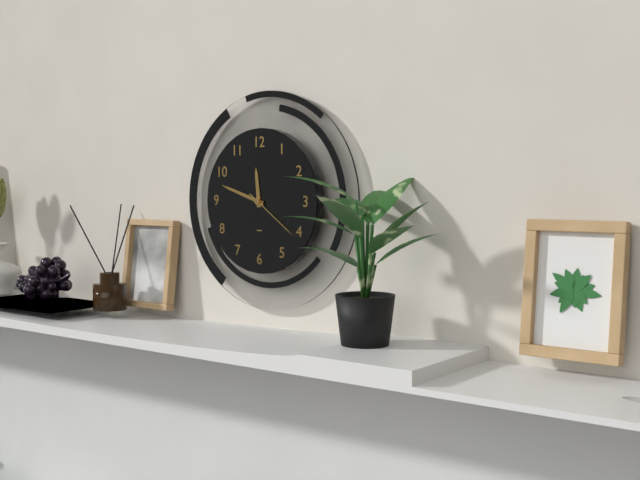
**11:48:21**
